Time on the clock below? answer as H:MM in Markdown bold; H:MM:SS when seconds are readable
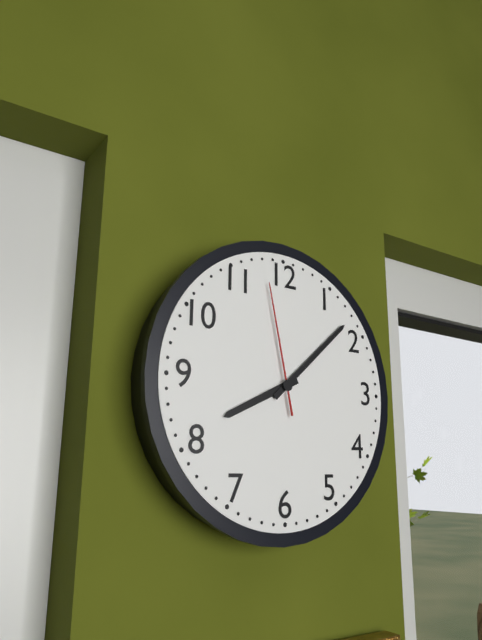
**8:08:58**
